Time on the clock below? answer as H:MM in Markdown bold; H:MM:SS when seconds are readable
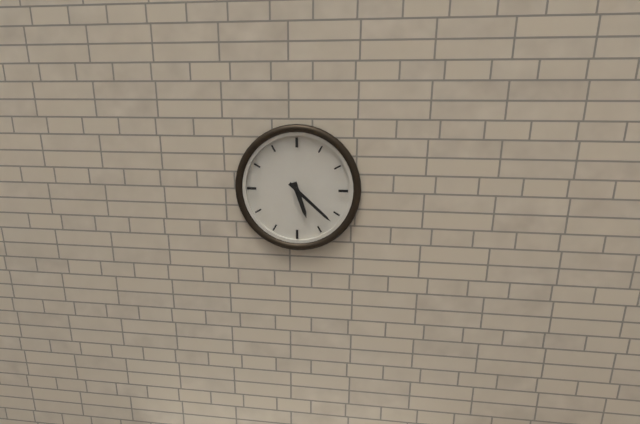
**5:22**
